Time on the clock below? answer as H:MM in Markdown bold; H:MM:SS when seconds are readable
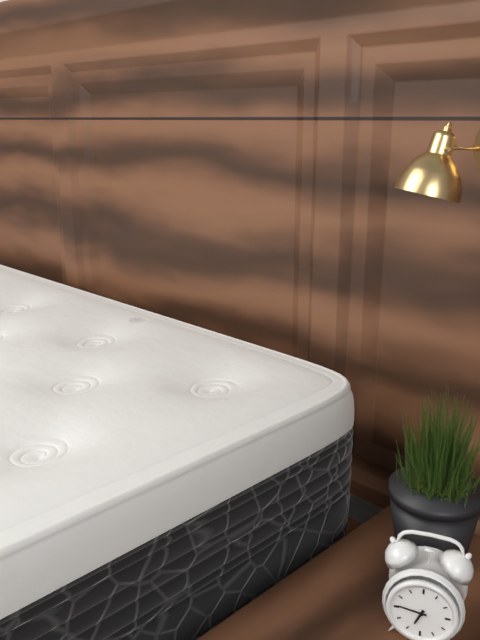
**6:46**
